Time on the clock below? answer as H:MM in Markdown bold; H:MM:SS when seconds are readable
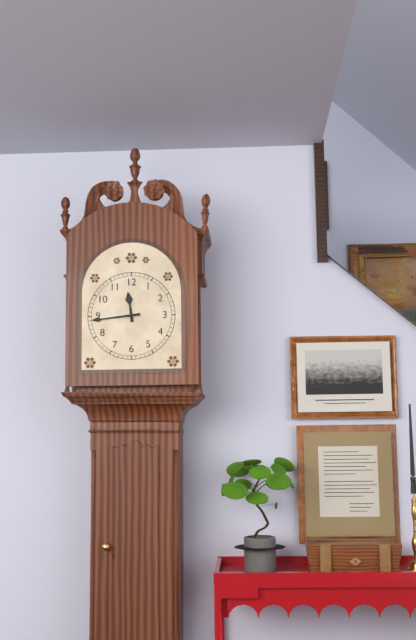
**11:44**
